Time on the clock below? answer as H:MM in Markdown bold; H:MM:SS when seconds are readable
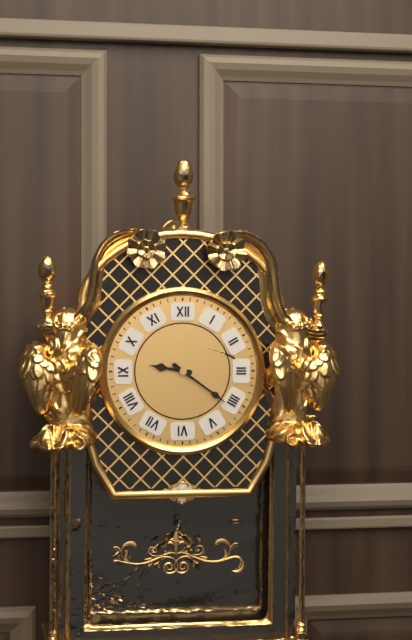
**9:21**
